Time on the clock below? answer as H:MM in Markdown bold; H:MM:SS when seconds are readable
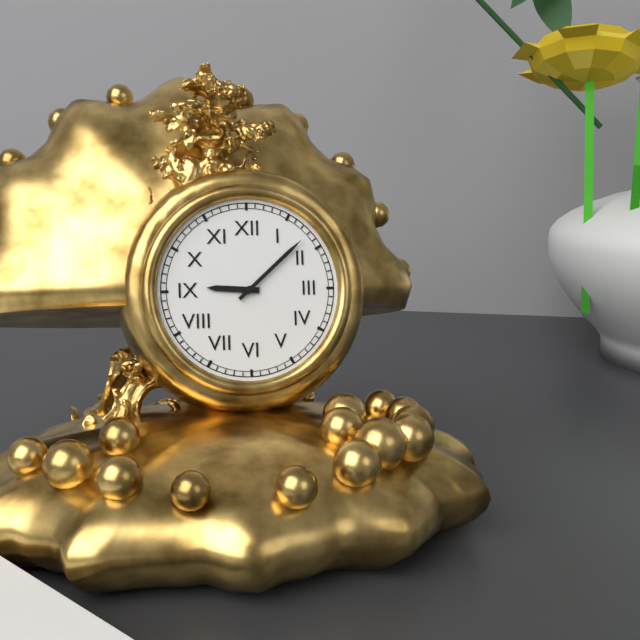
**9:08**
